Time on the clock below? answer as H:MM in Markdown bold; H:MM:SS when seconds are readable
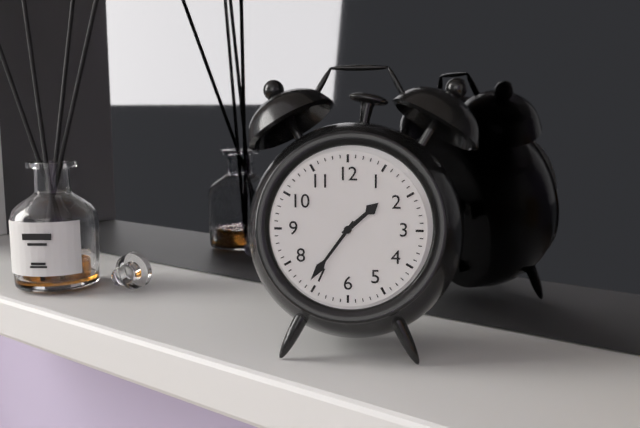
**1:36**
